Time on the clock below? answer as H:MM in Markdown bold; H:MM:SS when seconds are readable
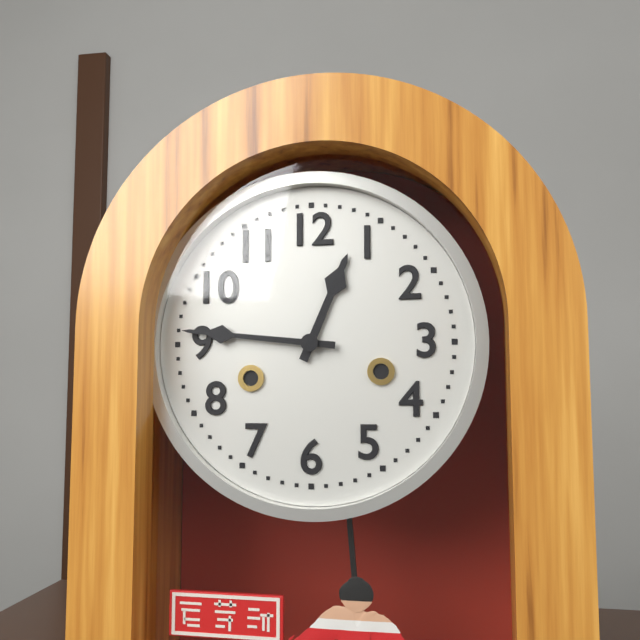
**12:46**
